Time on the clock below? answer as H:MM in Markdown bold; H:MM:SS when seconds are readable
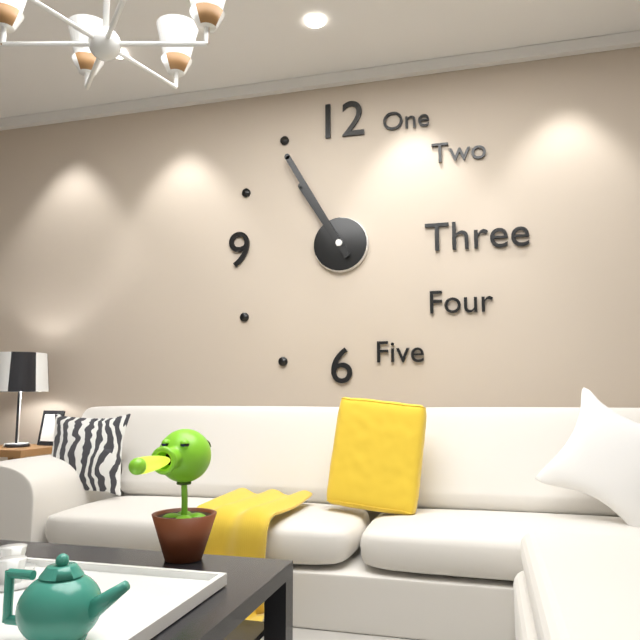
**10:55**
